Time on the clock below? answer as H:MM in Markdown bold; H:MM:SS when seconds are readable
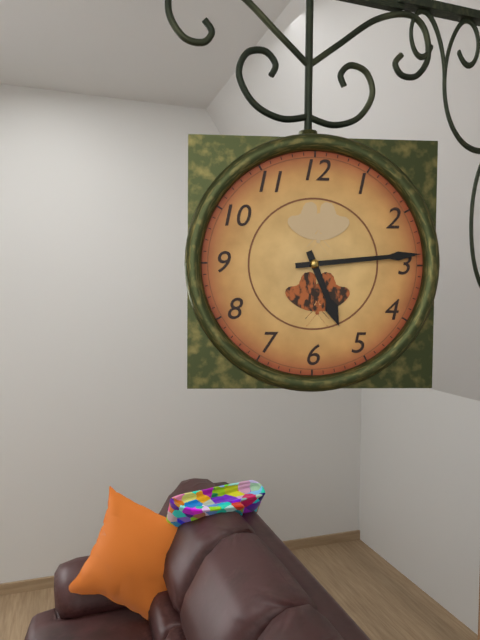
**5:14**
